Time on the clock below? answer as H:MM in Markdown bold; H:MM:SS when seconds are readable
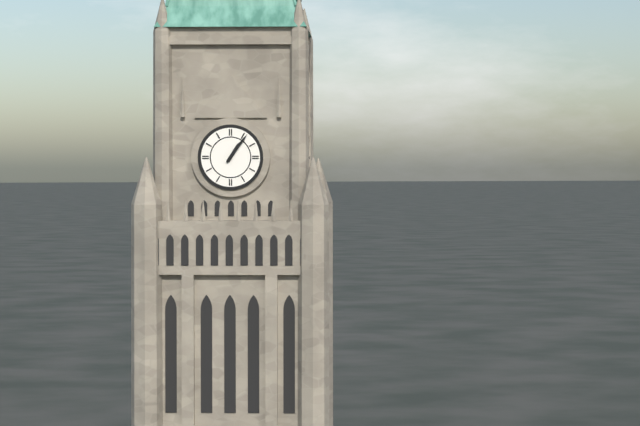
**1:06**
